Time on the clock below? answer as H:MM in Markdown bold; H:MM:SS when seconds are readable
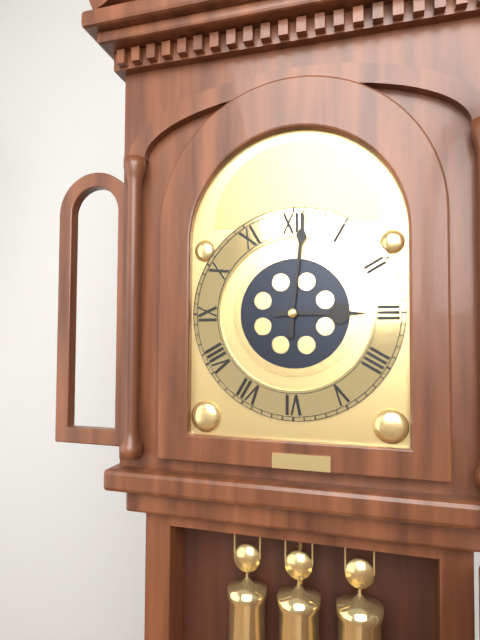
**3:01**
